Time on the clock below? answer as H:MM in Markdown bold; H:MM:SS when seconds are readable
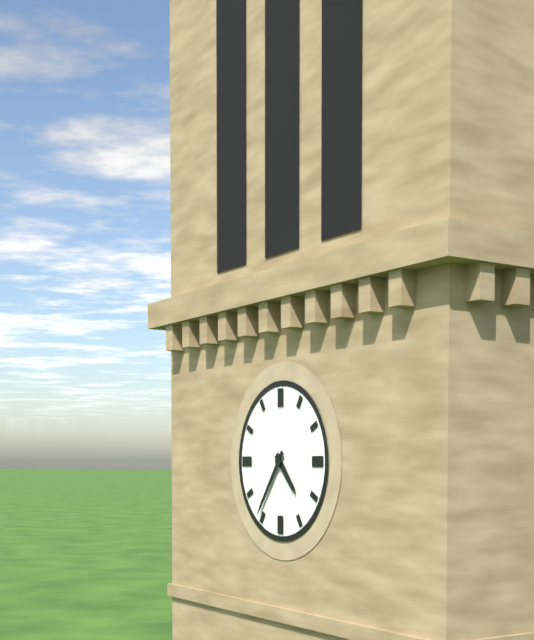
**4:36**
